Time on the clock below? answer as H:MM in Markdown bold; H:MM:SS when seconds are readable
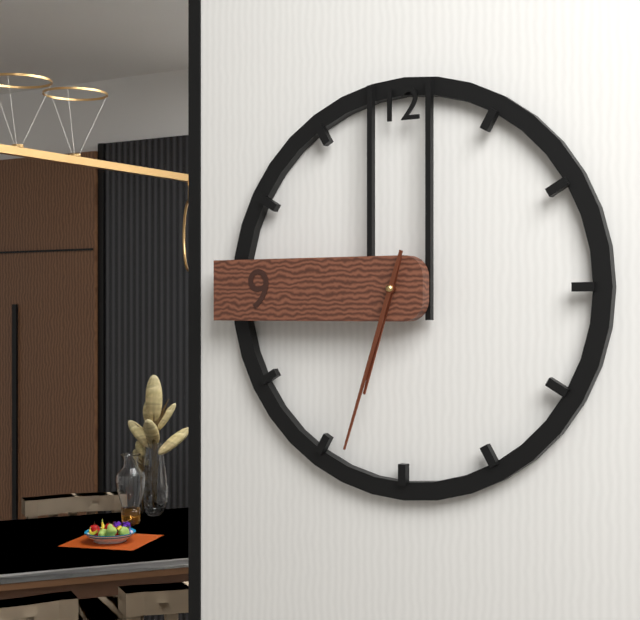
**6:33**
